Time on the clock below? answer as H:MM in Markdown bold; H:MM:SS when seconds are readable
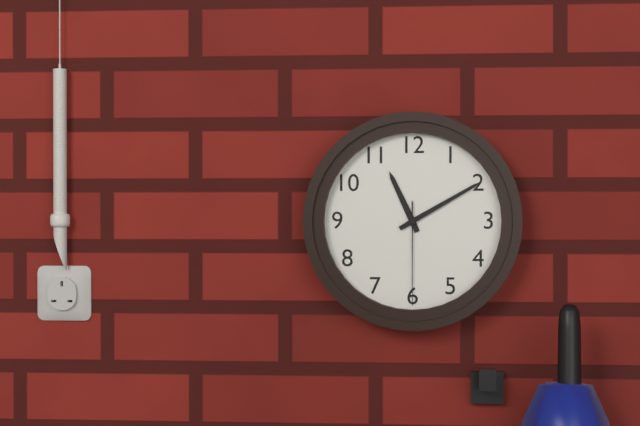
**11:10:30**
